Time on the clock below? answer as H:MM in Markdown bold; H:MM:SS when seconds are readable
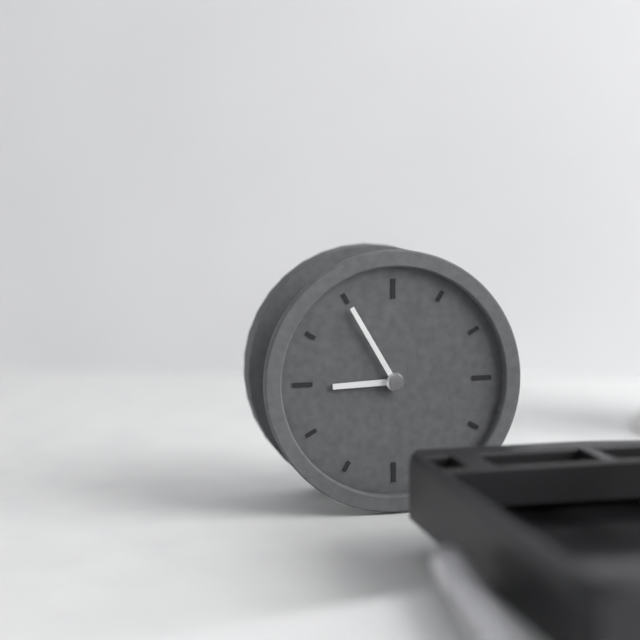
**8:55**
